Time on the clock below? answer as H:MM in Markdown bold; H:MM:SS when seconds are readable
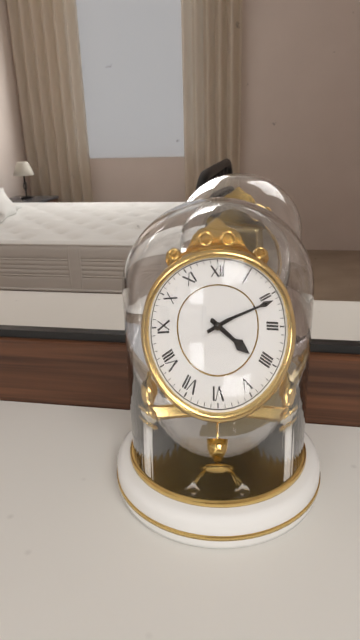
**4:11**
